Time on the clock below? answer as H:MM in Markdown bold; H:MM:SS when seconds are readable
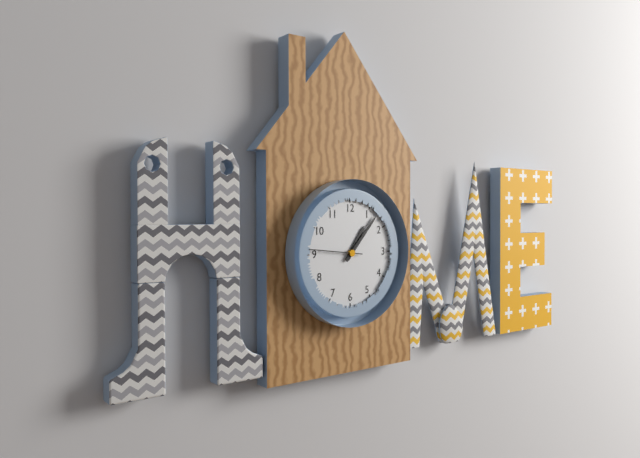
**1:07:46**
